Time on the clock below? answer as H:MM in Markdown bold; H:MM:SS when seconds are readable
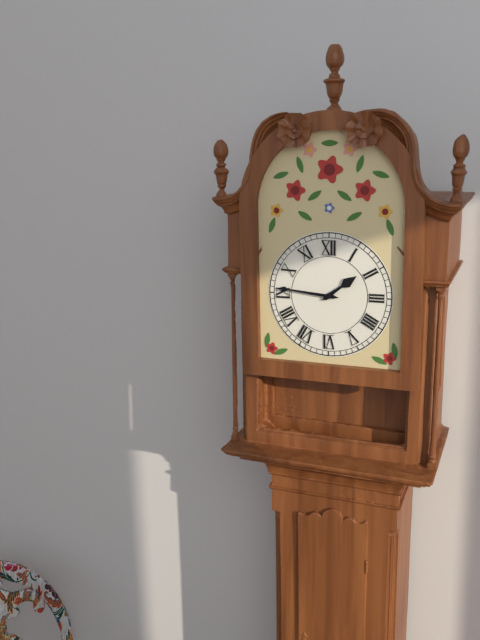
**1:46**
